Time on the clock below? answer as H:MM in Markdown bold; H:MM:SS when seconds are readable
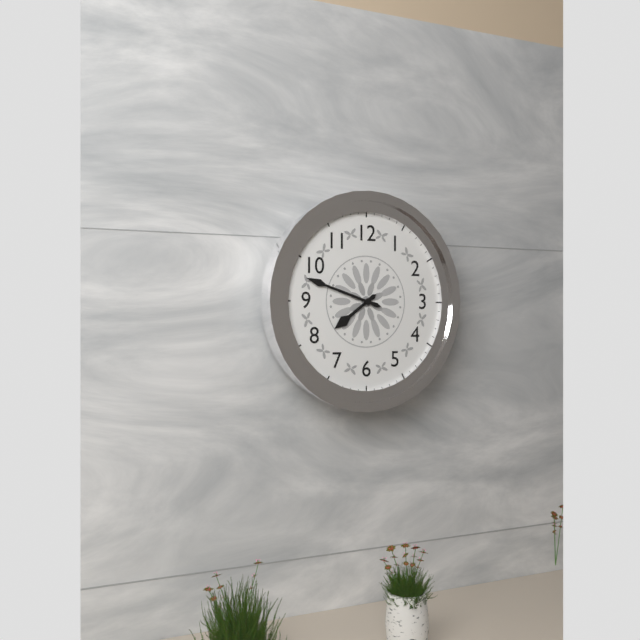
**7:48**
